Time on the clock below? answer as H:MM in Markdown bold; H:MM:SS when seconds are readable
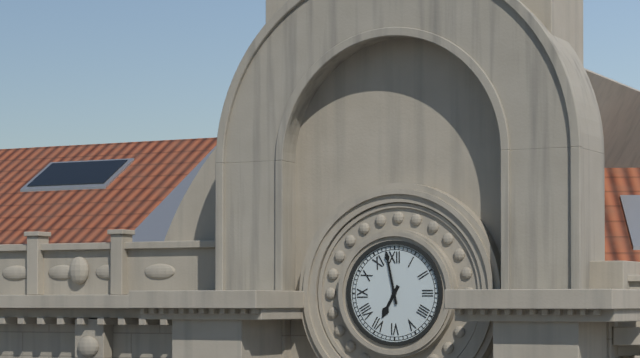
**6:58**
